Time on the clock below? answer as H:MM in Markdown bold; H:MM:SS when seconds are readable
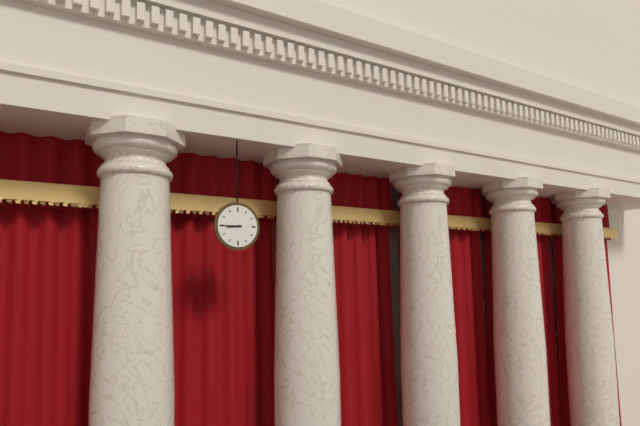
**8:45**
